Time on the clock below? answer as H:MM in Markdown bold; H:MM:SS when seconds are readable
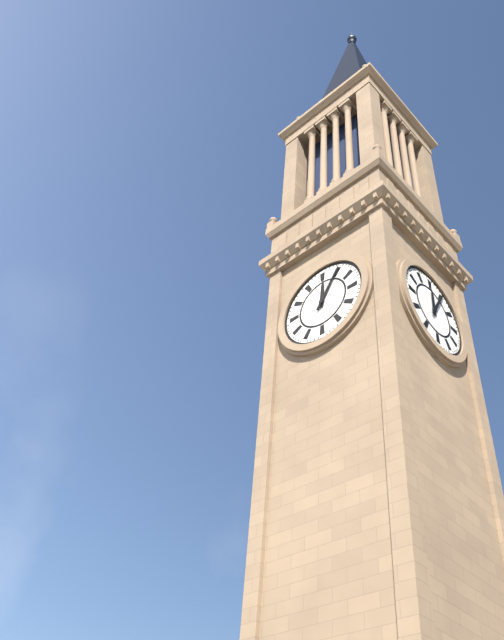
**12:05**
